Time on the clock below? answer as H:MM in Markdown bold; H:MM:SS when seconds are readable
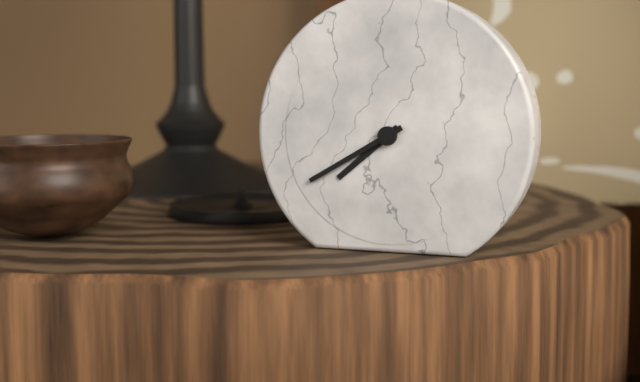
**7:40**
